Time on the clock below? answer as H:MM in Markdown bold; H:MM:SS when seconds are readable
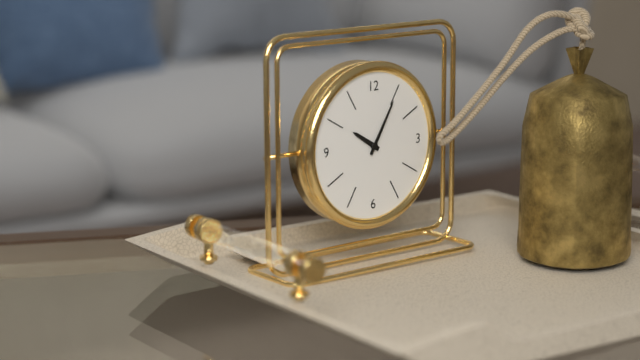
**10:05**
